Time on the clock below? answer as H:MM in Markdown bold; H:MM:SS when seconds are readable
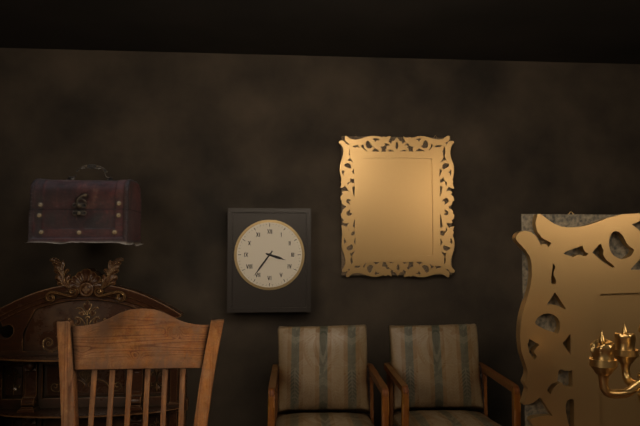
**3:36**
